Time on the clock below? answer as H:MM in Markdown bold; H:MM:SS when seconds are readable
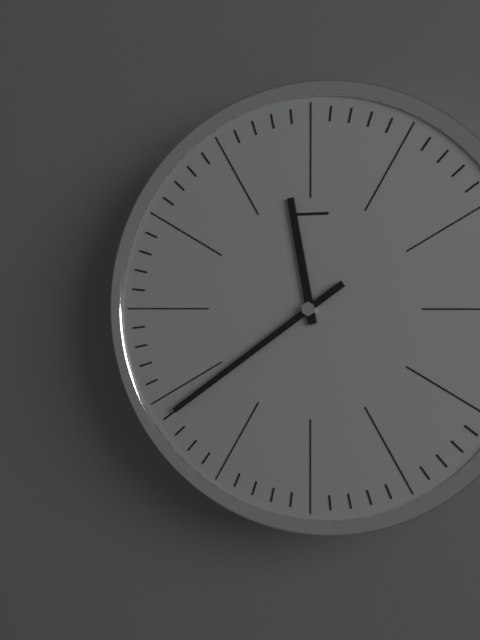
**11:39**
